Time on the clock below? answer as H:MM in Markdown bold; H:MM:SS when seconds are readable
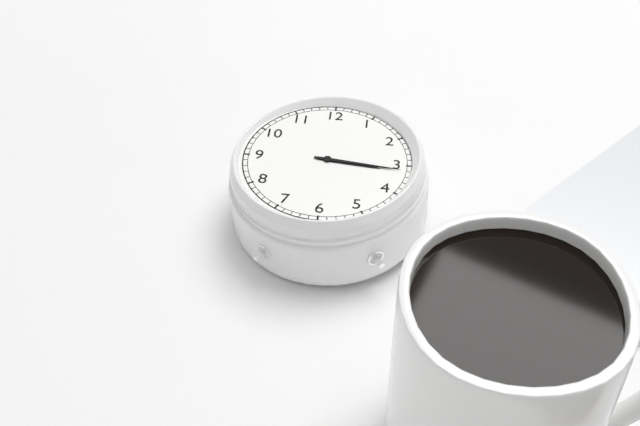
**3:16**
